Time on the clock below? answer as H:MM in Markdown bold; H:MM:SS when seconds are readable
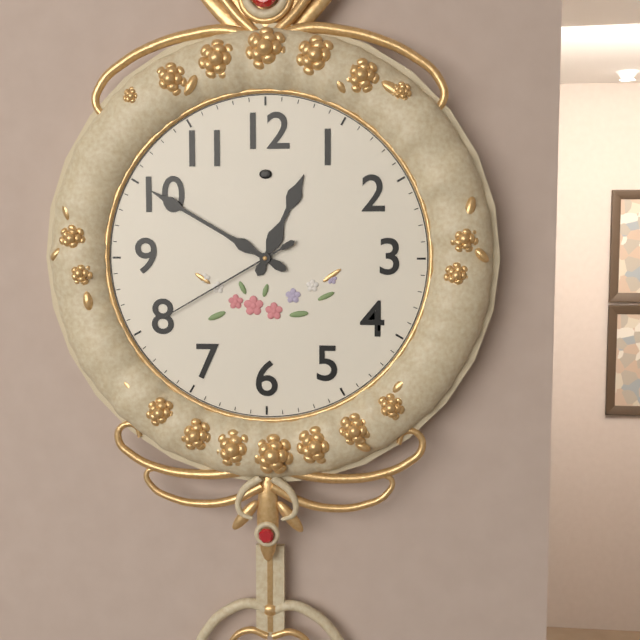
**12:50:40**
